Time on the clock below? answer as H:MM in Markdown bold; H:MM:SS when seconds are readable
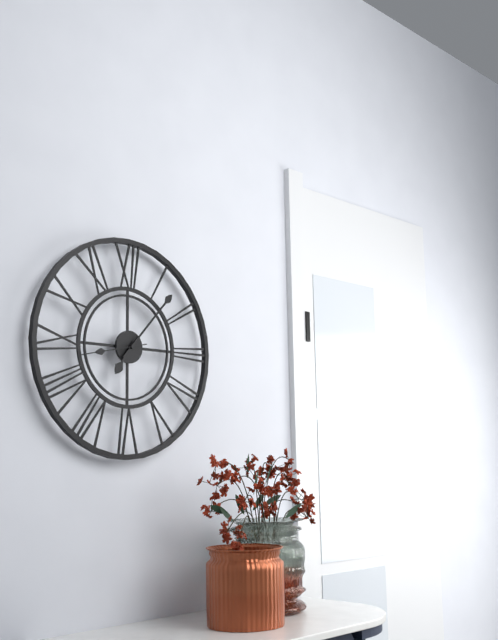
**7:07:43**
